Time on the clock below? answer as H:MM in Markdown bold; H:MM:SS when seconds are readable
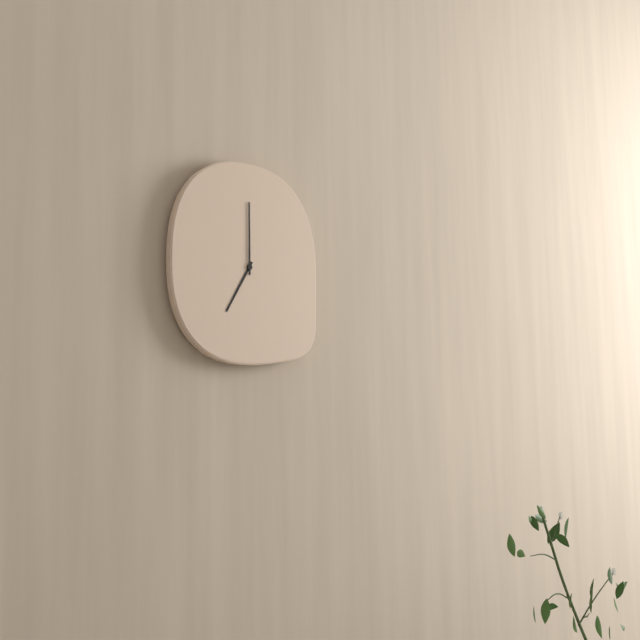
**7:00**
